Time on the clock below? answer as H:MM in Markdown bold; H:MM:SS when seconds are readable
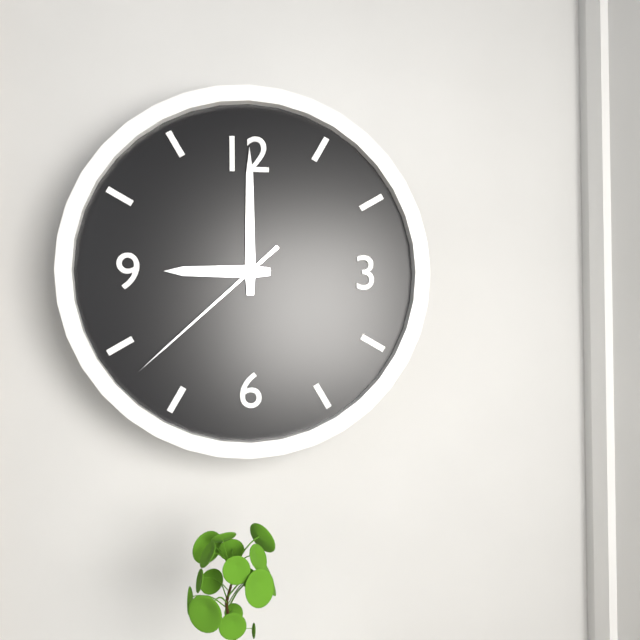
**9:00:38**
